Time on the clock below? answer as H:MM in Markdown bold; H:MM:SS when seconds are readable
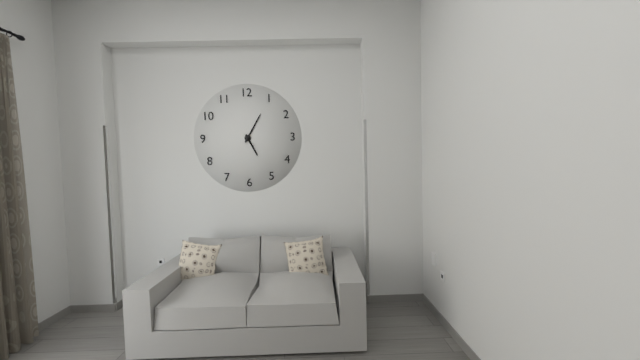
**5:05**
